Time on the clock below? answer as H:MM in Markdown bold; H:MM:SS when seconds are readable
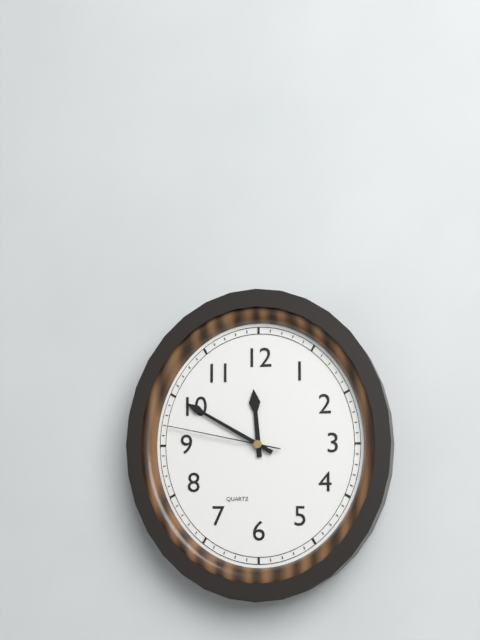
**11:50:47**
